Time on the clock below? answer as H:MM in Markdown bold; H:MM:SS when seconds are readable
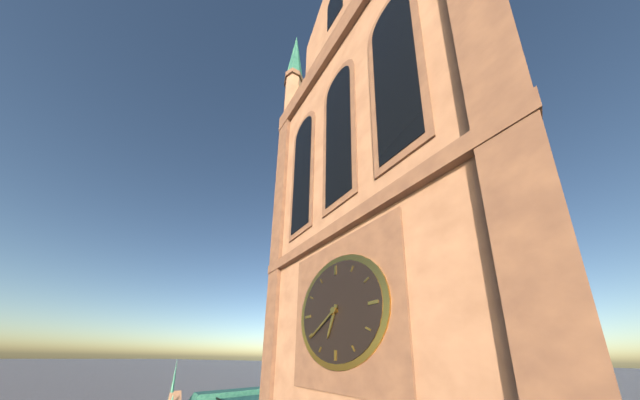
**6:39**
